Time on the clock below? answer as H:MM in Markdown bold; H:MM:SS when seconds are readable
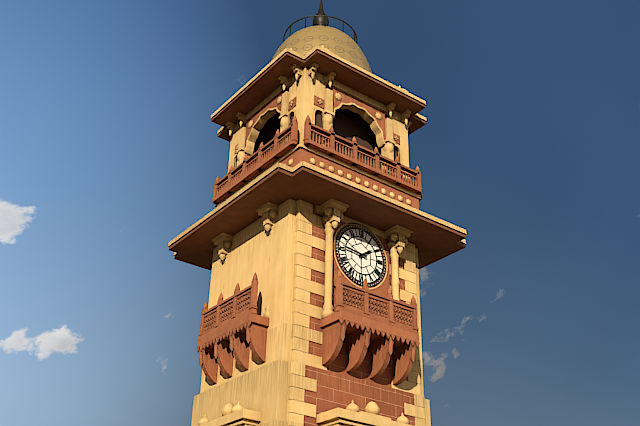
**1:46**
